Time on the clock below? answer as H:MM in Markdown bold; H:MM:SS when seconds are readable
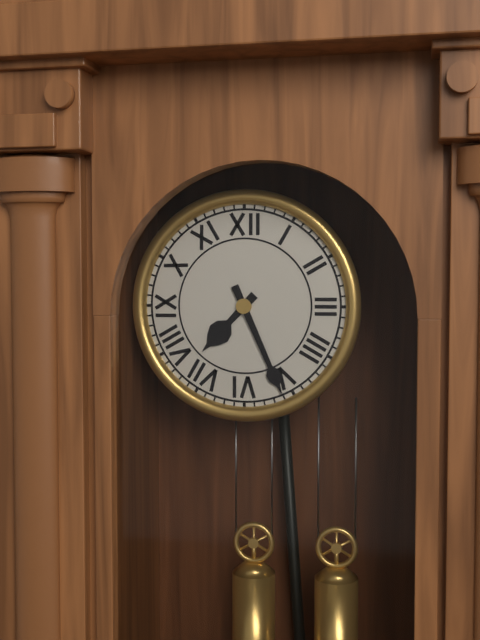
**7:26**
